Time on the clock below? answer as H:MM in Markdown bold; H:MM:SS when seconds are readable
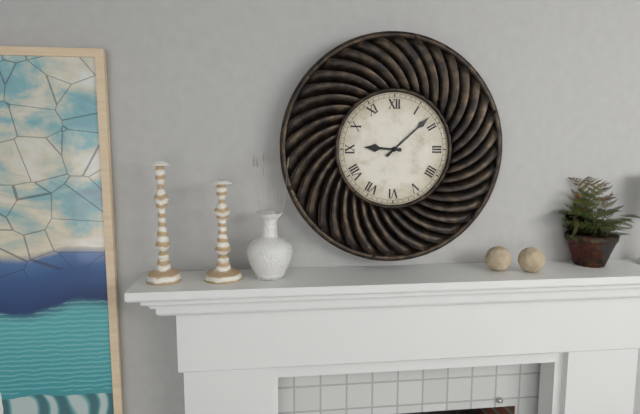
**9:08**
